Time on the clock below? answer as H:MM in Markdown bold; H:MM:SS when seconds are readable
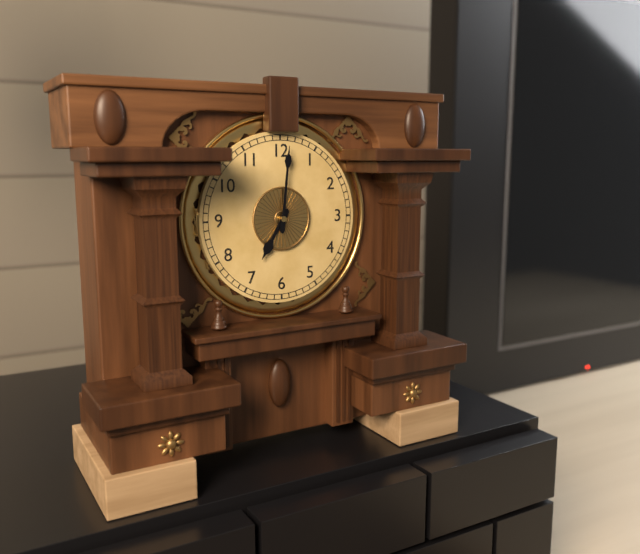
**7:01**
